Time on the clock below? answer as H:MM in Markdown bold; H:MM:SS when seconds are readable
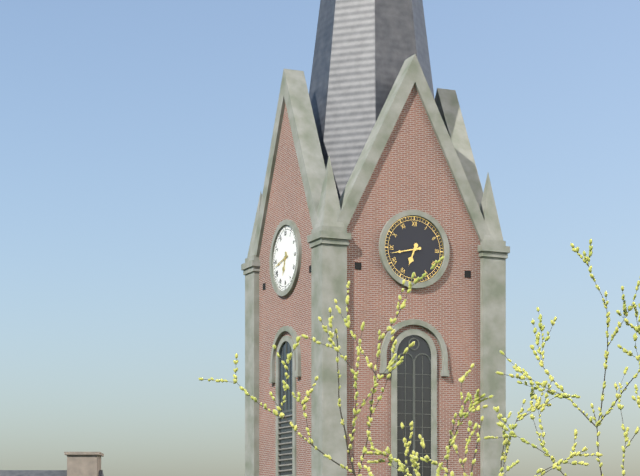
**6:43**
